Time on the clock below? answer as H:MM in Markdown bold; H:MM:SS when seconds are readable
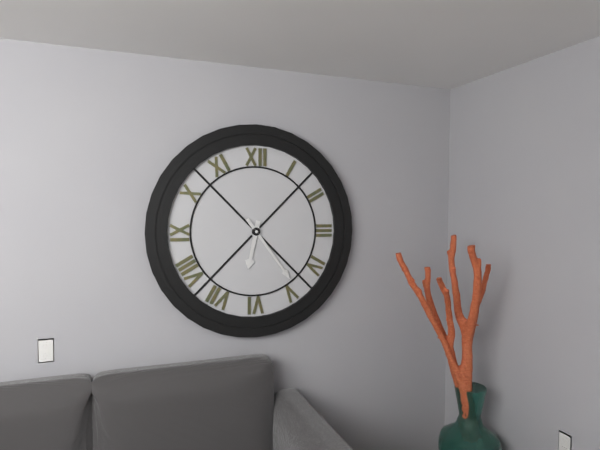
**6:24**
